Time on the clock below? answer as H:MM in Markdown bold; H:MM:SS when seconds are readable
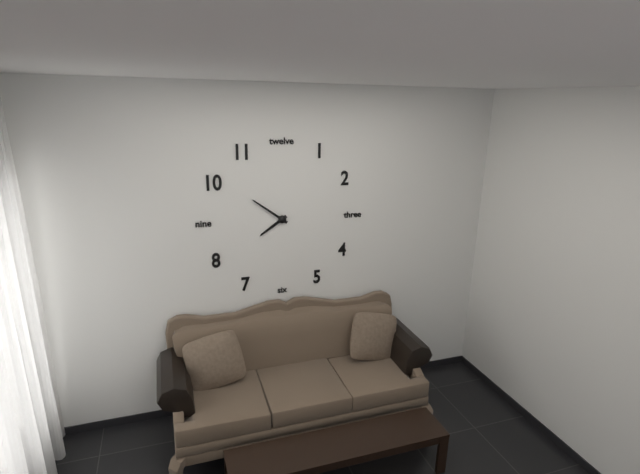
**7:51**
